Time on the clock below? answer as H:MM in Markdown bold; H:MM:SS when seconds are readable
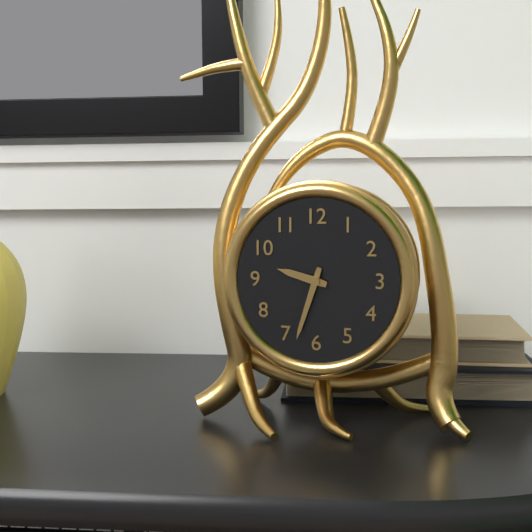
**9:33**
